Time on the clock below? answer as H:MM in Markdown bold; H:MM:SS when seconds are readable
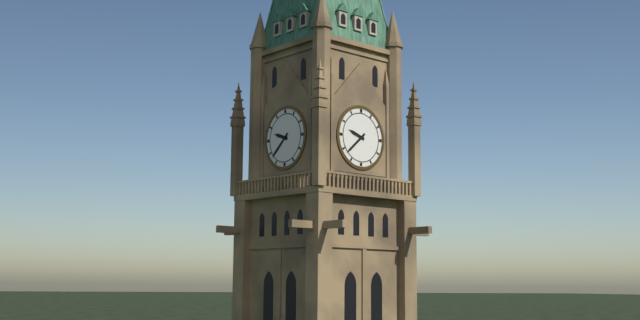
**9:38**
